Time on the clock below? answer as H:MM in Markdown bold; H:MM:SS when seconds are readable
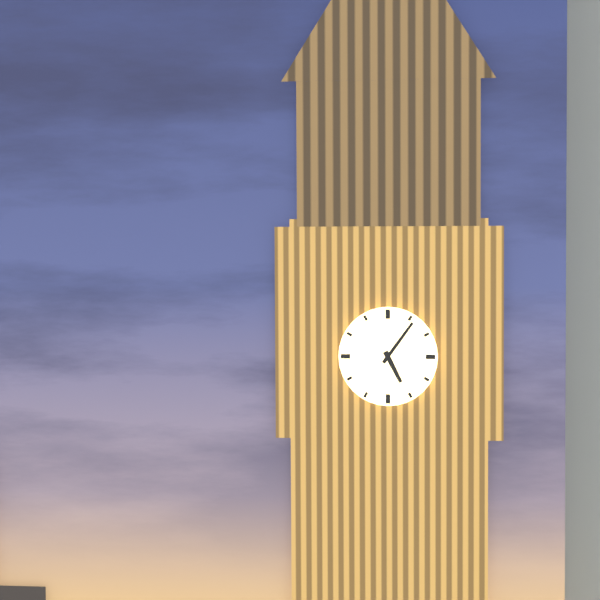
**5:06**
